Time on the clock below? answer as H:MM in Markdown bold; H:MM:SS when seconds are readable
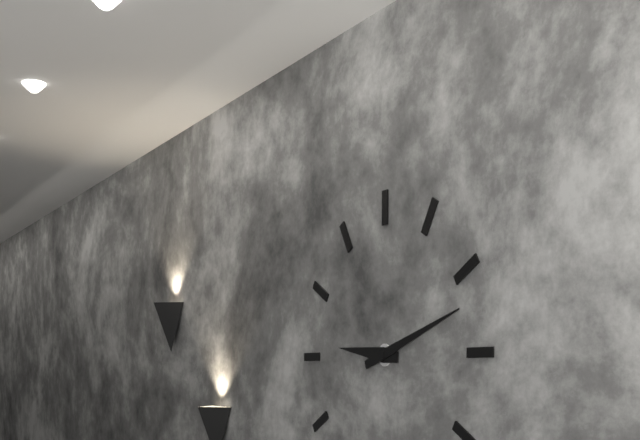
**9:12**
